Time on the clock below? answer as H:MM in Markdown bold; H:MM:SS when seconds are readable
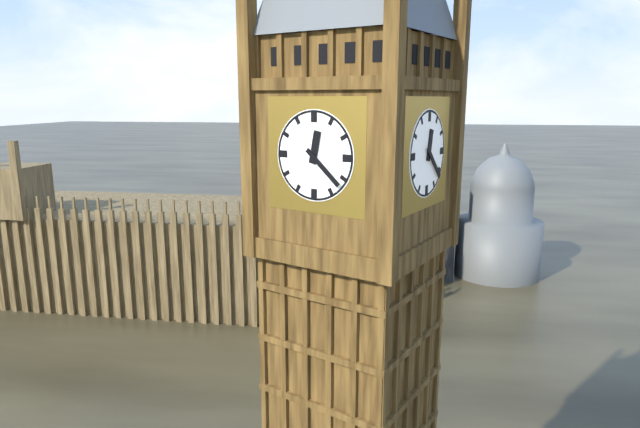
**12:22**
